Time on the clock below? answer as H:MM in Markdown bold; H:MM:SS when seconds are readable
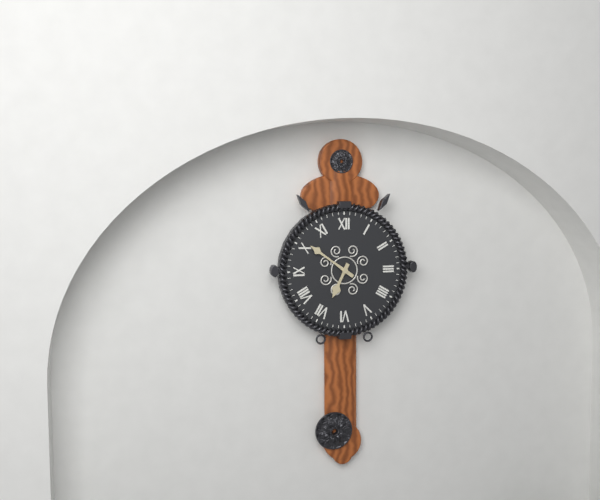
**6:51**
